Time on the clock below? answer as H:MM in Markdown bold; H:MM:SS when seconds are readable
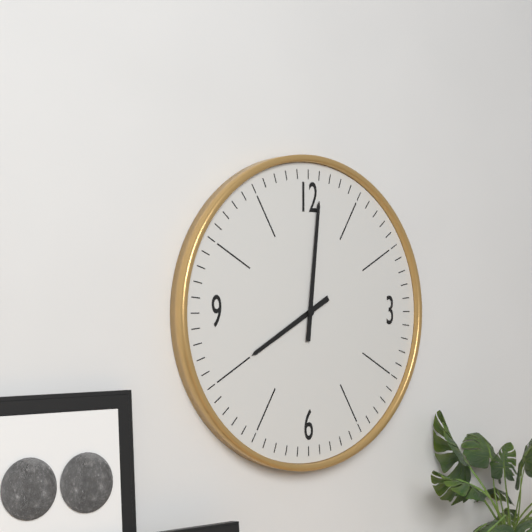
**8:01**
